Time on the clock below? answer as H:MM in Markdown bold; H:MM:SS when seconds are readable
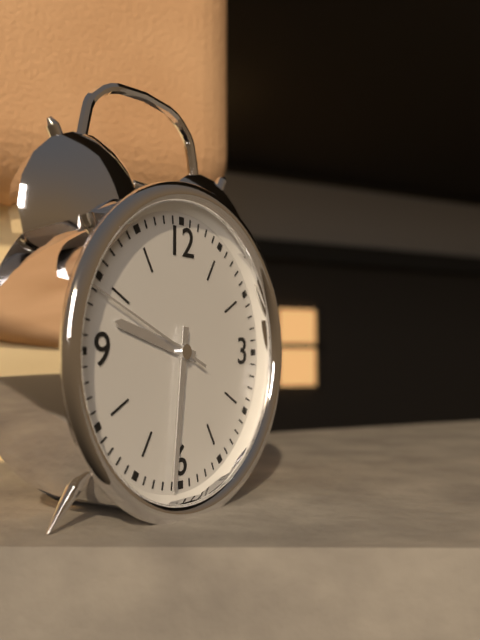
**9:31:49**
